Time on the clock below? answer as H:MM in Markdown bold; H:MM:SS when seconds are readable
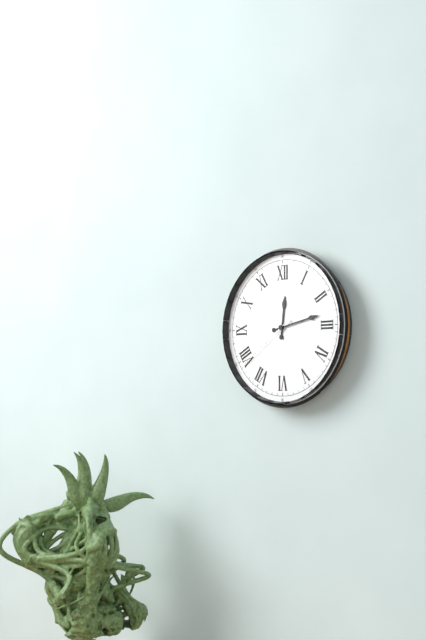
**12:13:39**
